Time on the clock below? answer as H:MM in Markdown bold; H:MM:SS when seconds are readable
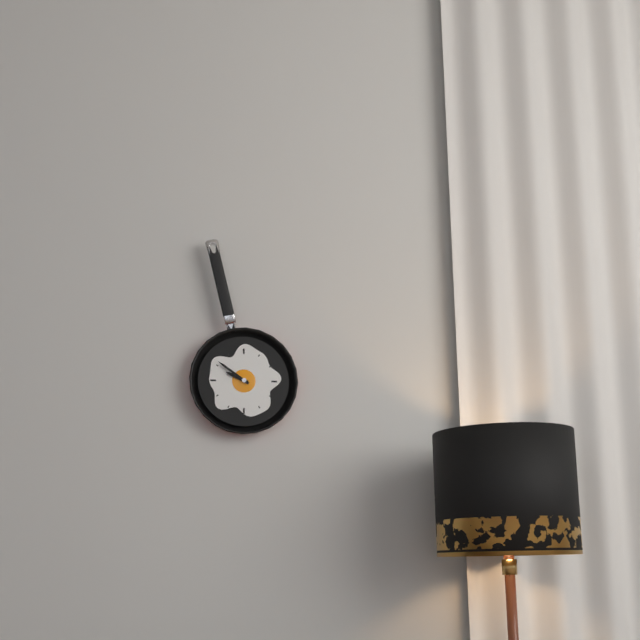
**9:51**
